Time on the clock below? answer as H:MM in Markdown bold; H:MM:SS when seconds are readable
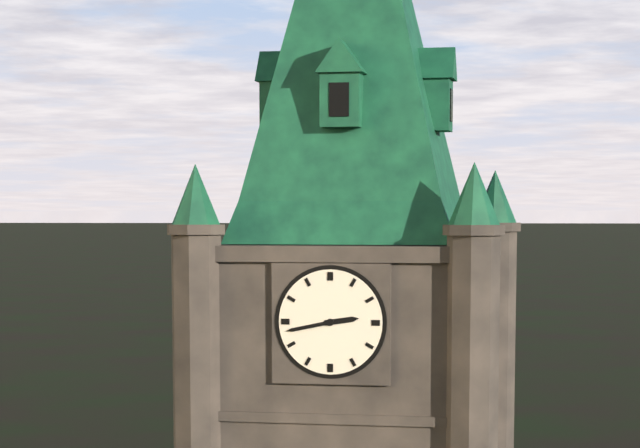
**2:43**
